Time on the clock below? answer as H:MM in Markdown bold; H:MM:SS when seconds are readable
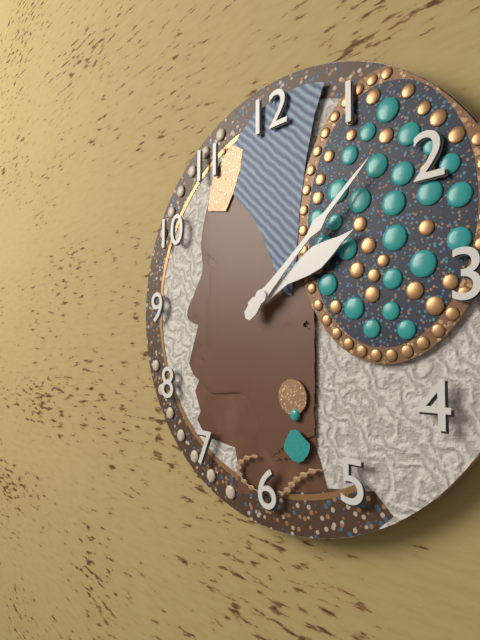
**2:08**
